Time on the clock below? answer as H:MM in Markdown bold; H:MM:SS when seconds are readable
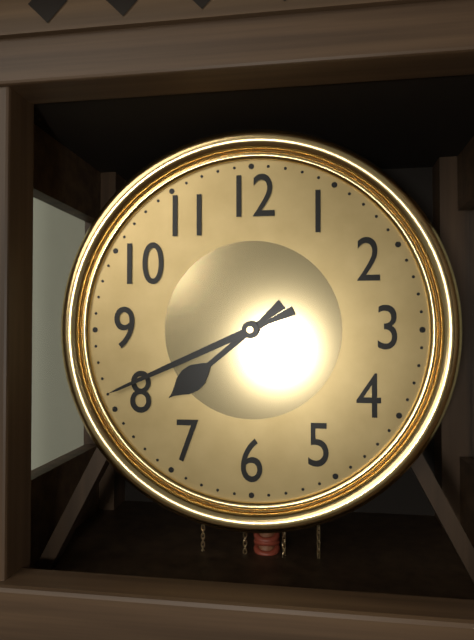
**7:41**
